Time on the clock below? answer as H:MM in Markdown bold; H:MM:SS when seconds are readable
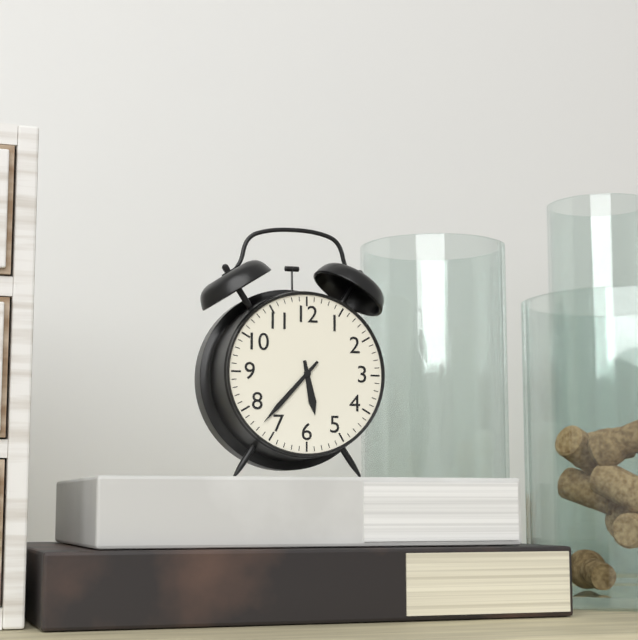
**5:37**
